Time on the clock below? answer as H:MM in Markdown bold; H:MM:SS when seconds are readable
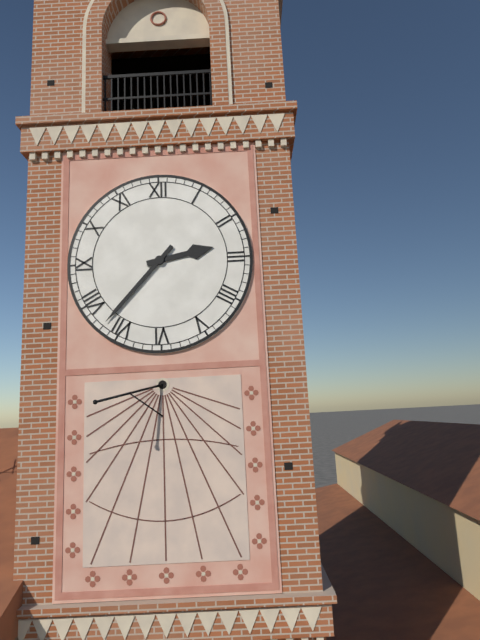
**2:37**
